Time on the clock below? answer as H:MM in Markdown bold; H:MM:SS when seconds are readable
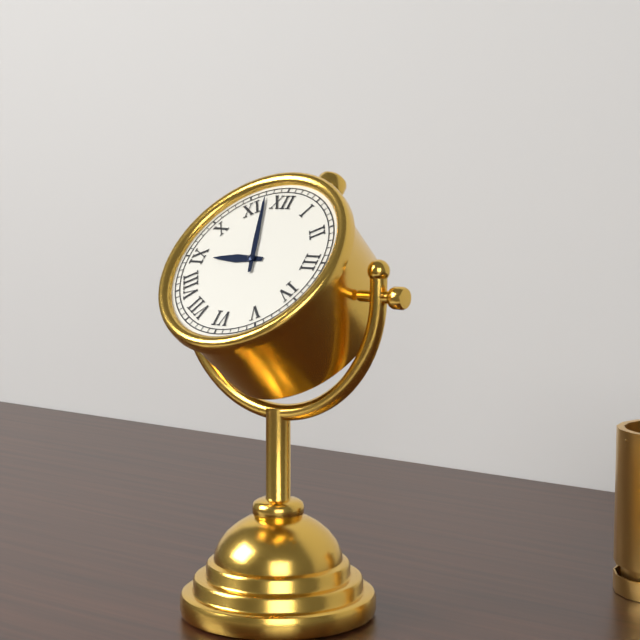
**8:57**
